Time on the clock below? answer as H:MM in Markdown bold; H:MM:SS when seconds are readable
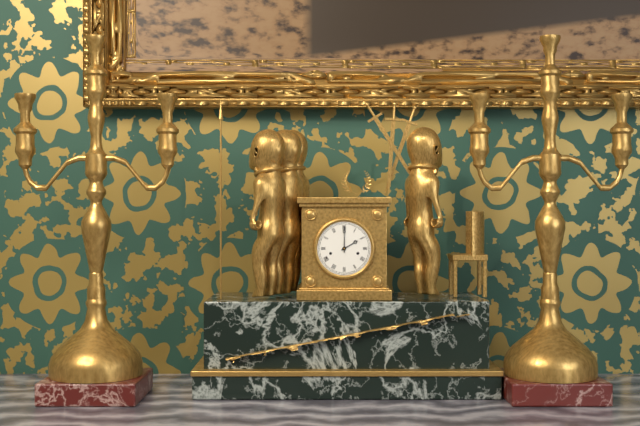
**2:00**
